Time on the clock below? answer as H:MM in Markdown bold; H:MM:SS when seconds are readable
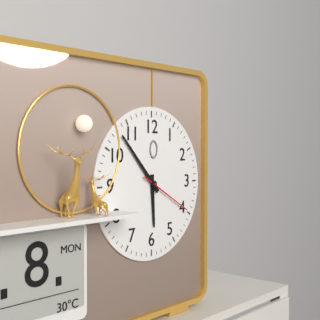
**5:53:20**
